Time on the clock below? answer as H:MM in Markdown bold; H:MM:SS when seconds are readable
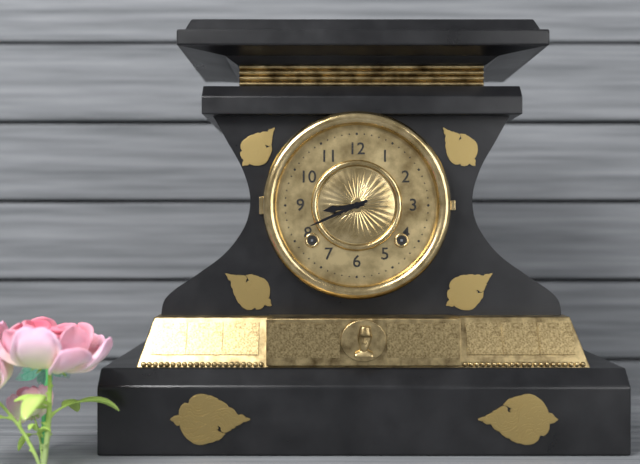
**8:41**
